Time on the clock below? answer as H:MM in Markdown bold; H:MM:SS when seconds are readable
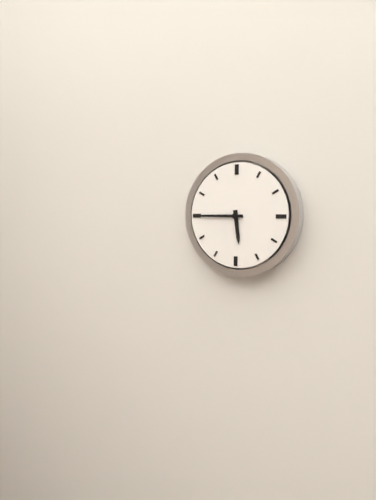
**5:45**
